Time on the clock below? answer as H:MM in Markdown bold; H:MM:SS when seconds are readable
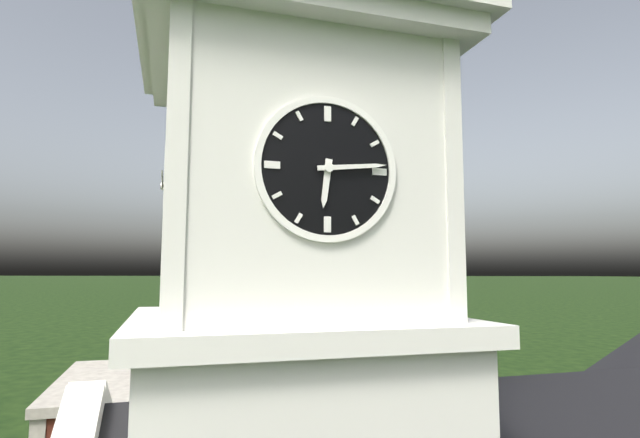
**6:14**
